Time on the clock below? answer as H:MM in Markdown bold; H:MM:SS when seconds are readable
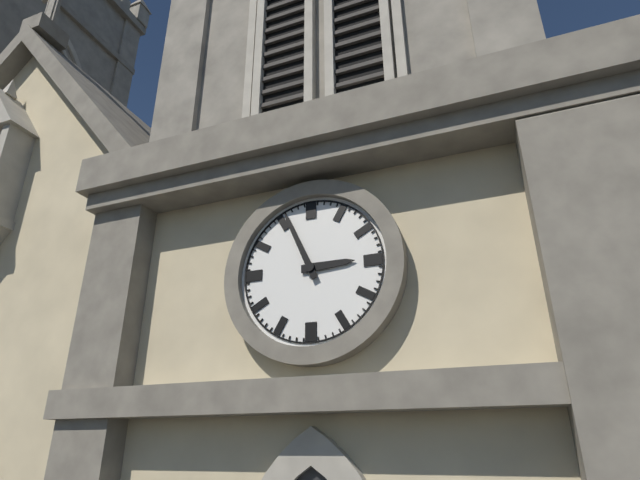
**2:56**
